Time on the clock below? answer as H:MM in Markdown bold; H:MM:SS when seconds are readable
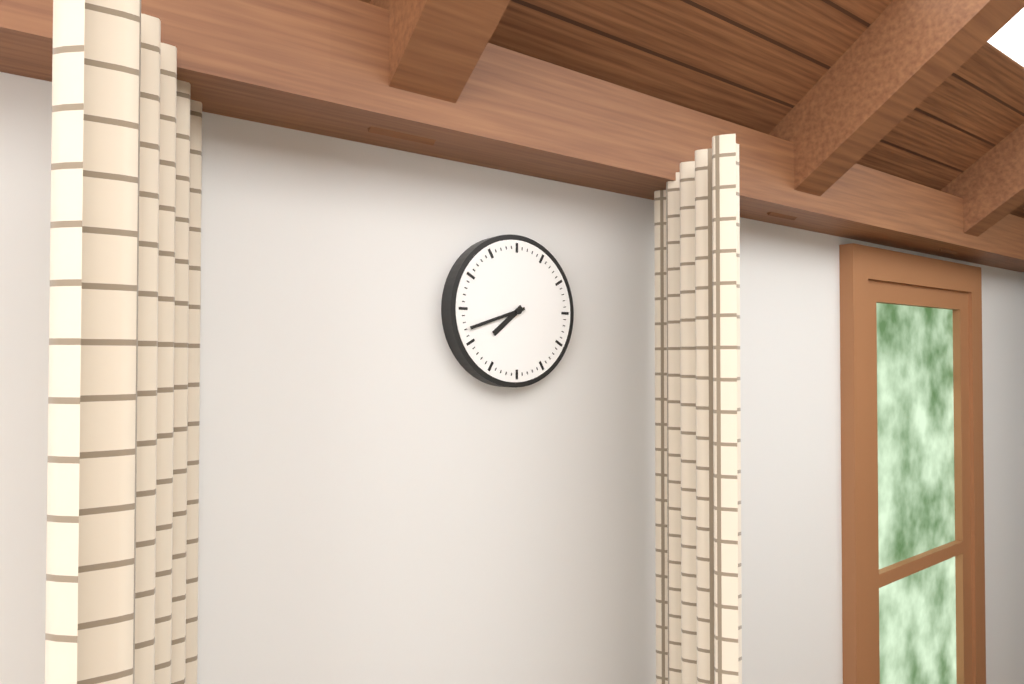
**7:42**
